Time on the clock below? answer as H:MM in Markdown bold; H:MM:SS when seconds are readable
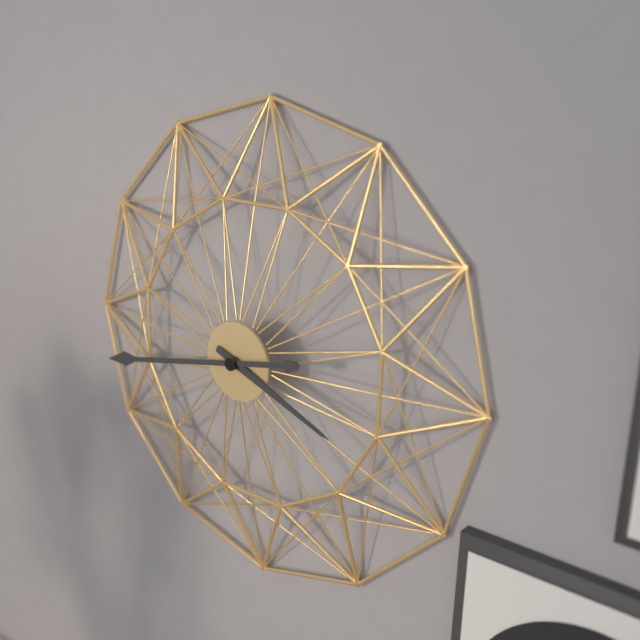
**3:43**
